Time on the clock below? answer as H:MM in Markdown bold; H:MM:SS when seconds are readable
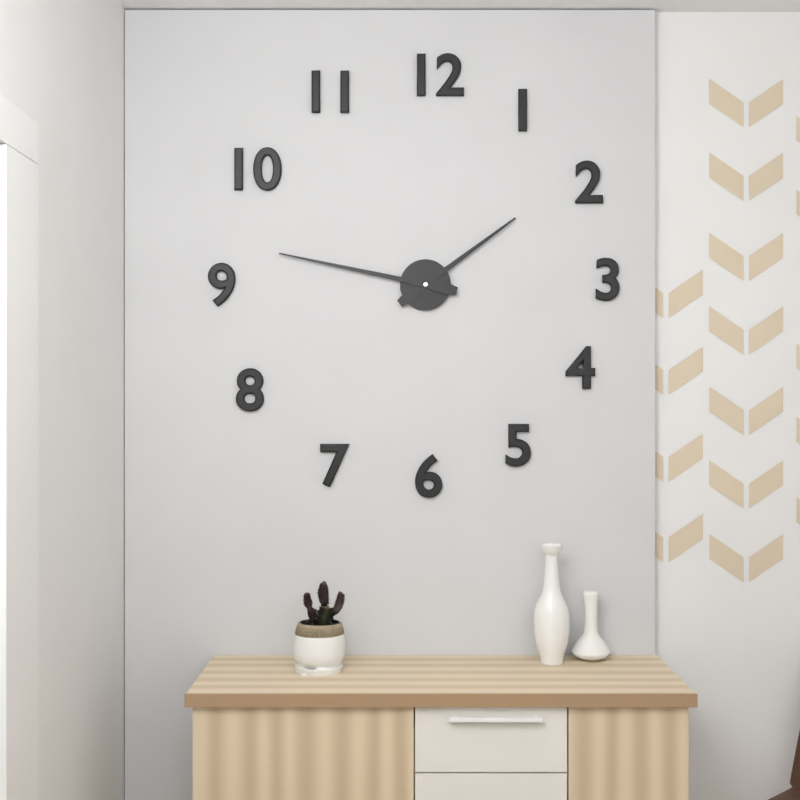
**1:47**
